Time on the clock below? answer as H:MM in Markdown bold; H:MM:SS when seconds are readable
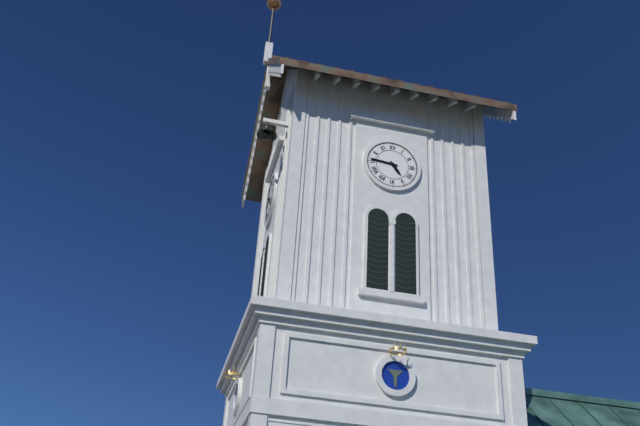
**4:46**
